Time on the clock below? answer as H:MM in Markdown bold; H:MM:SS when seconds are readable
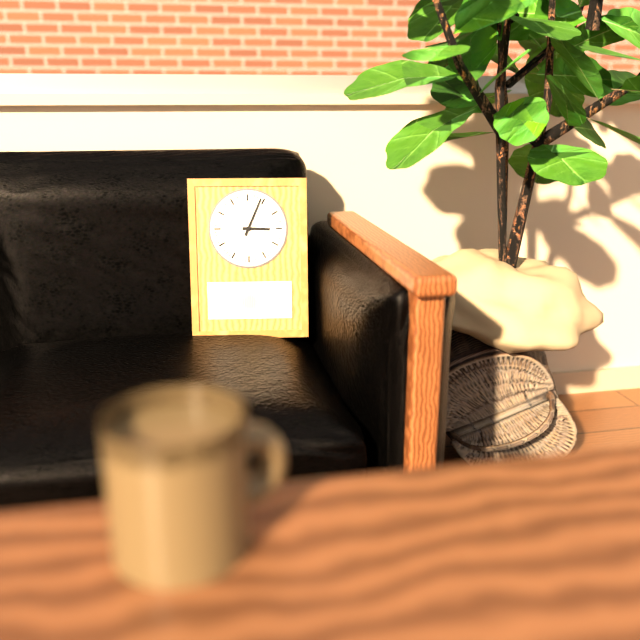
**3:04**
